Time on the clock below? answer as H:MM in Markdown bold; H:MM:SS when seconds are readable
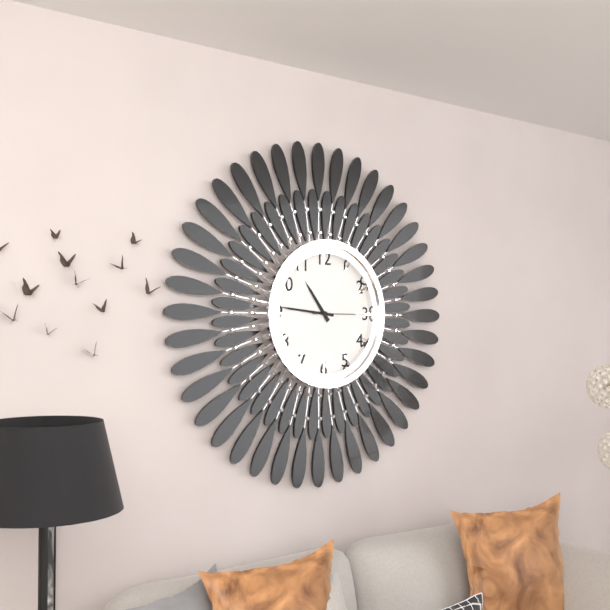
**10:46:15**
